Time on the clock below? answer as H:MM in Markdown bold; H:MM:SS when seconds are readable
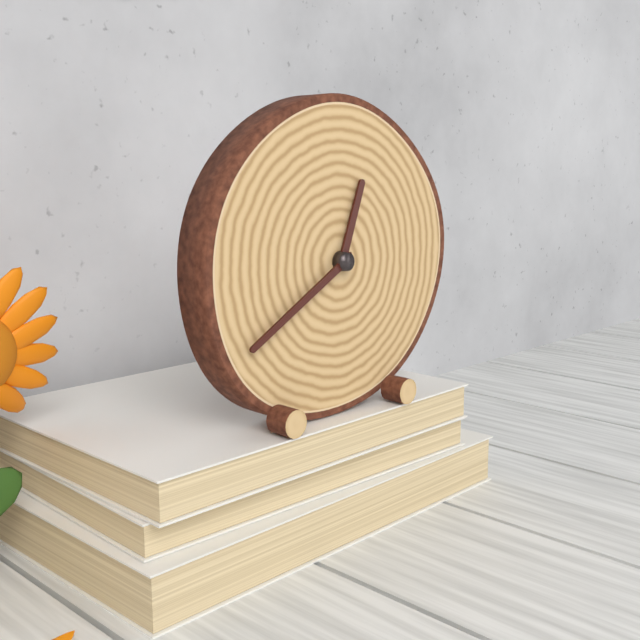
**12:40**
